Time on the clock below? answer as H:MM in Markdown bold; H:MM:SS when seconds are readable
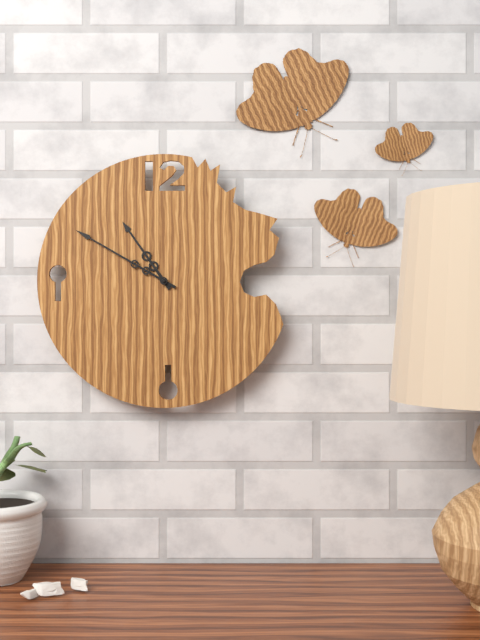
**10:50**
